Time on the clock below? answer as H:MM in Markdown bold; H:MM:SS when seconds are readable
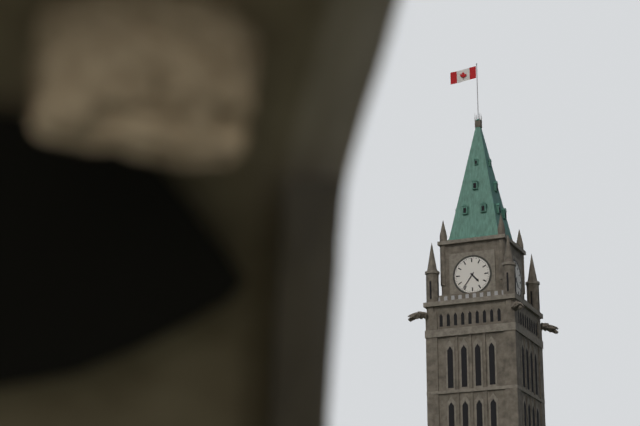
**4:36**
